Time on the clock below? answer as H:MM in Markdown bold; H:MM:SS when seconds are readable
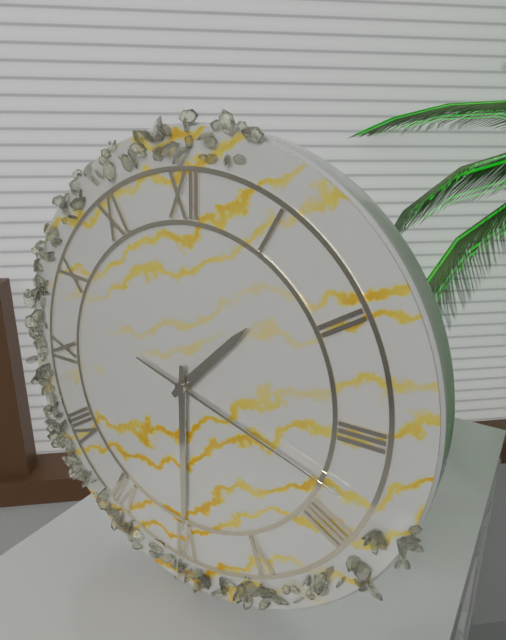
**1:30:18**
